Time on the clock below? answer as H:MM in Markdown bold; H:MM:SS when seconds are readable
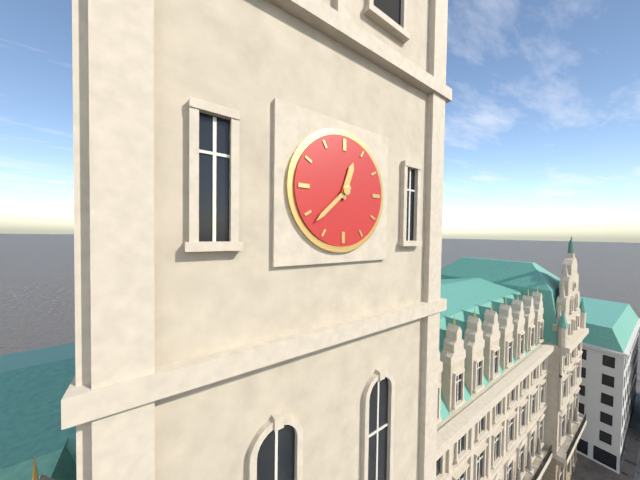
**12:38**
